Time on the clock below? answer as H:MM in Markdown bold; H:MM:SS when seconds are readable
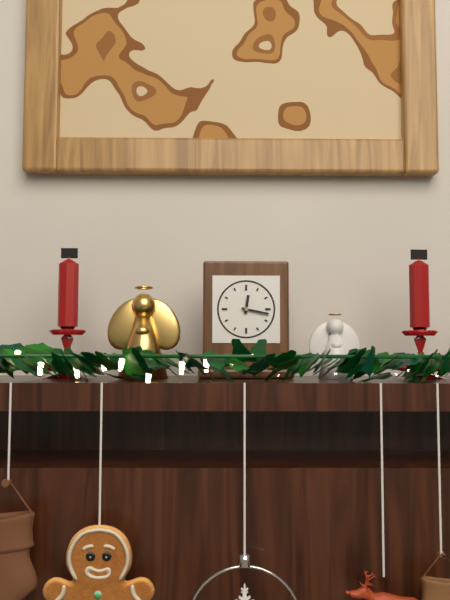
**12:17**
